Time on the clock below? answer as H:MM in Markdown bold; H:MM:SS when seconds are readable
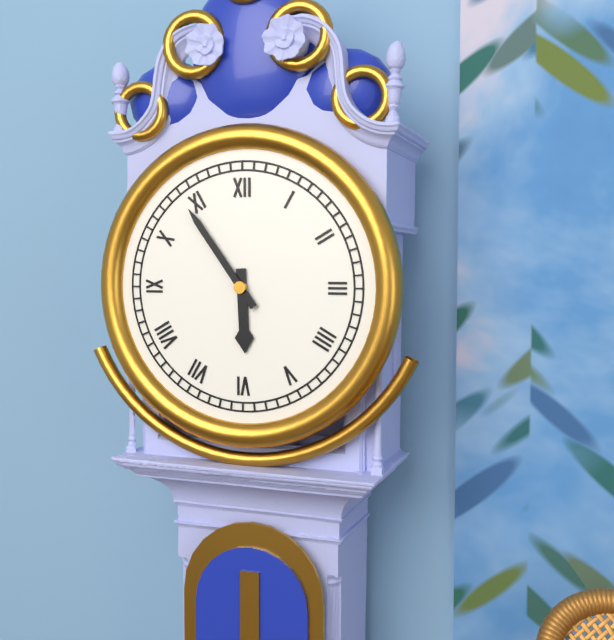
**5:54**
